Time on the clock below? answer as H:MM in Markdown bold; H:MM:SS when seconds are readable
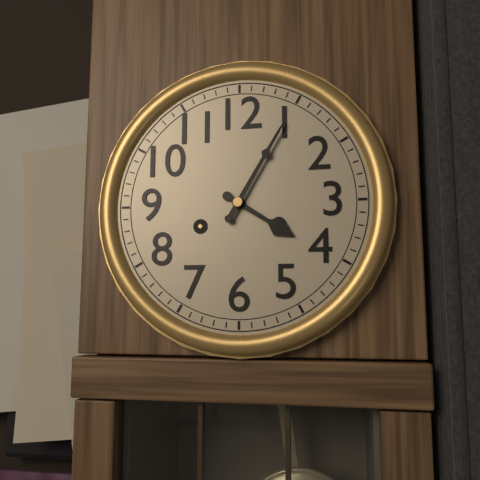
**4:05**
